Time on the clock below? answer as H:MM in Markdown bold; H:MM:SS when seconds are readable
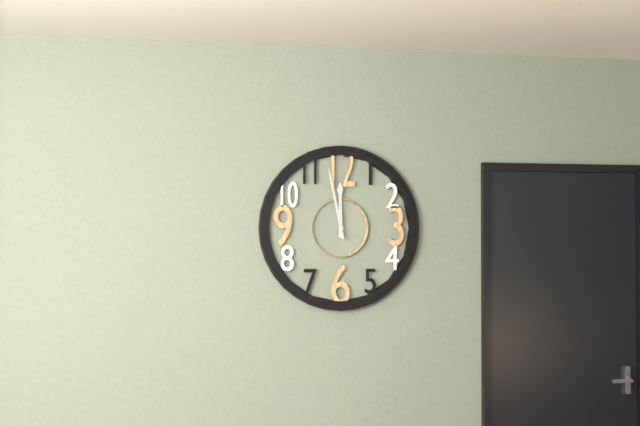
**11:58**
